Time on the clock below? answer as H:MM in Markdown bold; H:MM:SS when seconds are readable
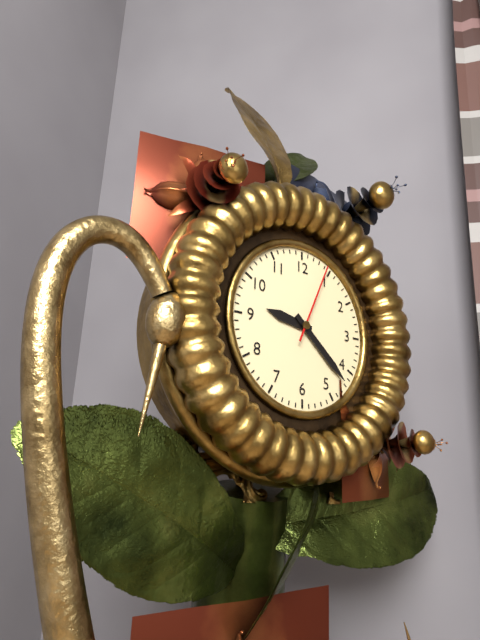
**9:22:04**
